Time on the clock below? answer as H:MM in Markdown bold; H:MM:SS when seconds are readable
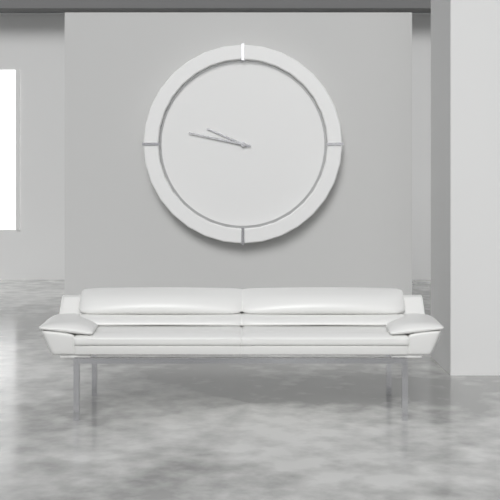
**9:47**
